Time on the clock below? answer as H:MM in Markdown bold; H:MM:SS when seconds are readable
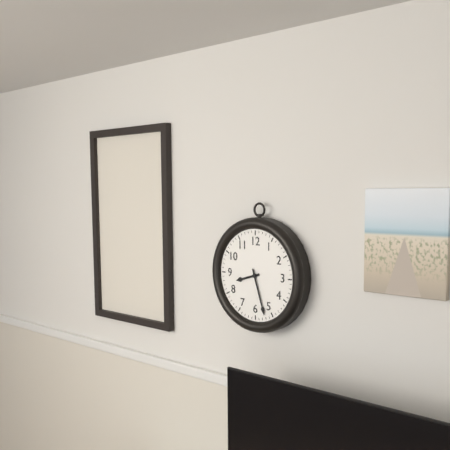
**8:27**
